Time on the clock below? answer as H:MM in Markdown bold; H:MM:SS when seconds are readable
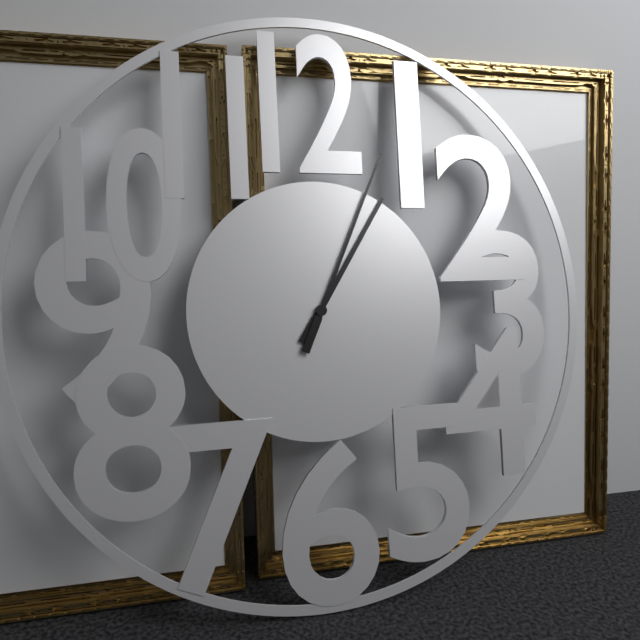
**1:04**
